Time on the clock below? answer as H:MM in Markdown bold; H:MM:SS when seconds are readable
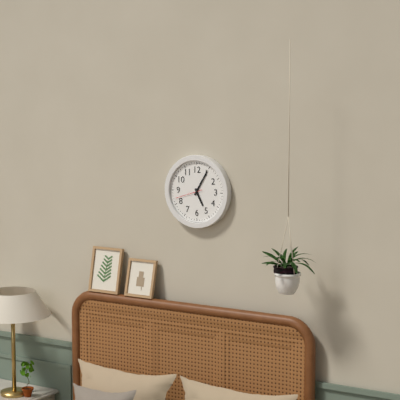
**5:05**
